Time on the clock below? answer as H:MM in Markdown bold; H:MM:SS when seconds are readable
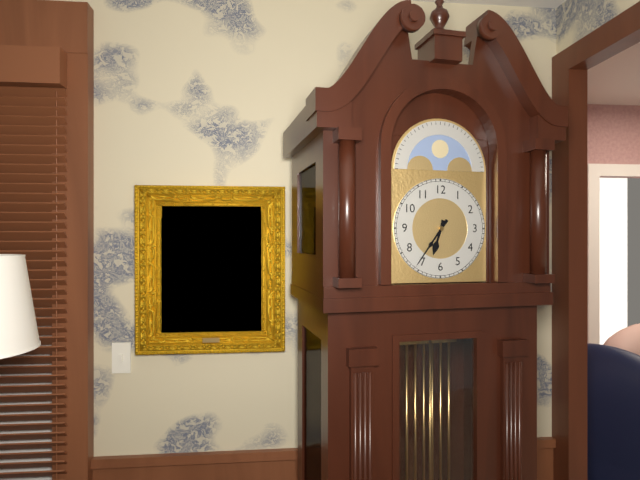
**6:36**
